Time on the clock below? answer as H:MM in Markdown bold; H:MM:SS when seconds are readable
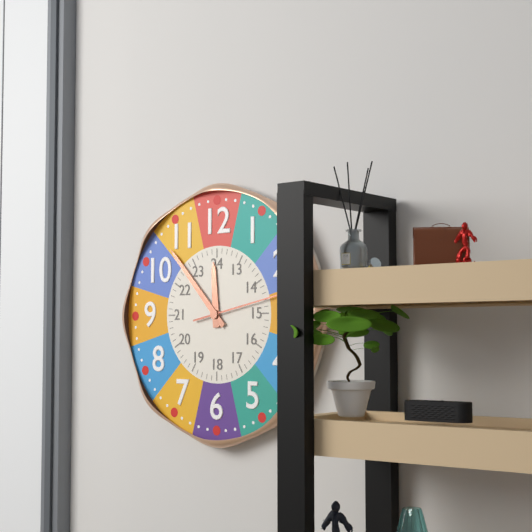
**11:53:13**
